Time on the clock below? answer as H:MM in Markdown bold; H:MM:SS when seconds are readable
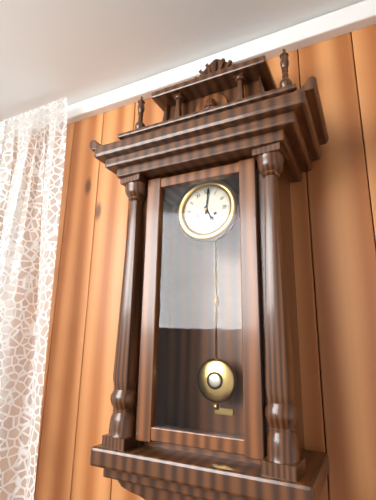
**5:01**
